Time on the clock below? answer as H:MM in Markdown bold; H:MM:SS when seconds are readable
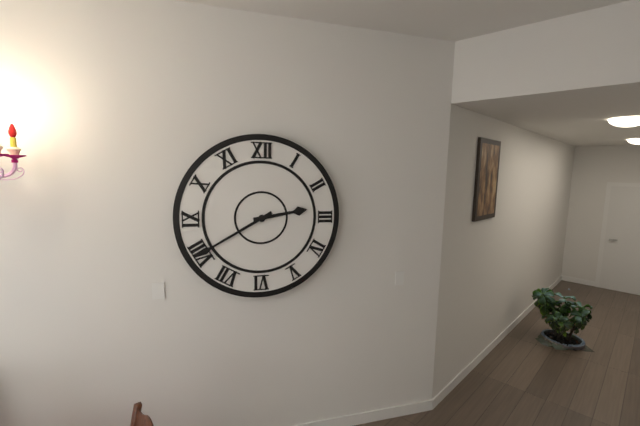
**2:40**
